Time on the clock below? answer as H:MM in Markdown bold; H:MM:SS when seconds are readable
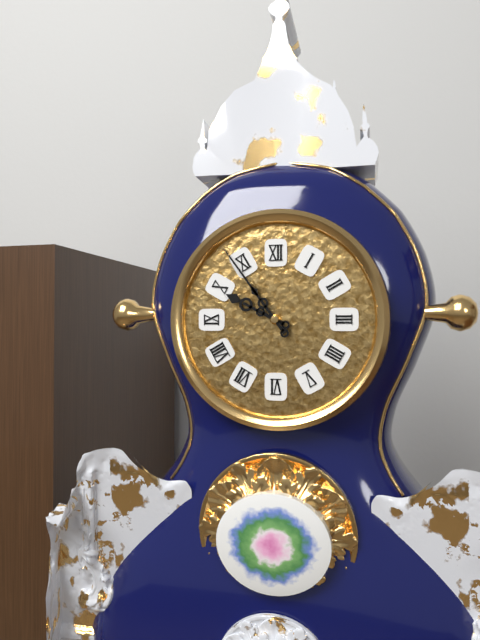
**9:54**
